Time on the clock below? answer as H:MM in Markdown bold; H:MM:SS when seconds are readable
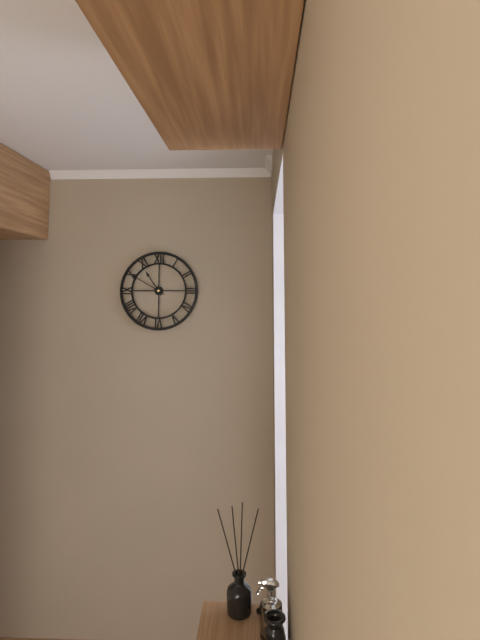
**10:50**
